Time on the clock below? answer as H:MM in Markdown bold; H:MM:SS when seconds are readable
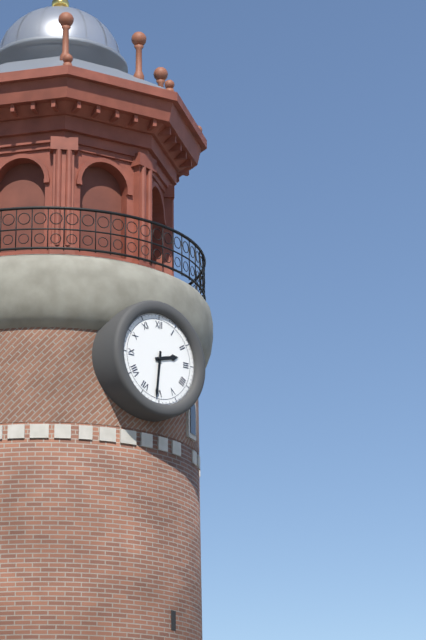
**2:31**
